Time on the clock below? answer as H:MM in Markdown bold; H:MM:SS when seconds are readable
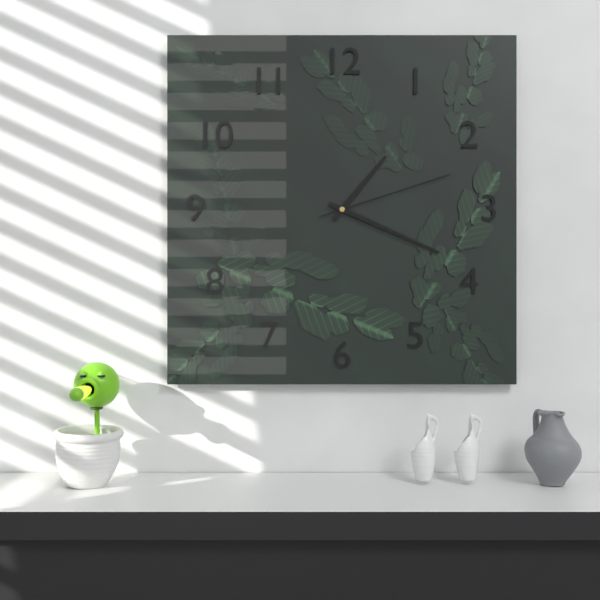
**1:19:12**
